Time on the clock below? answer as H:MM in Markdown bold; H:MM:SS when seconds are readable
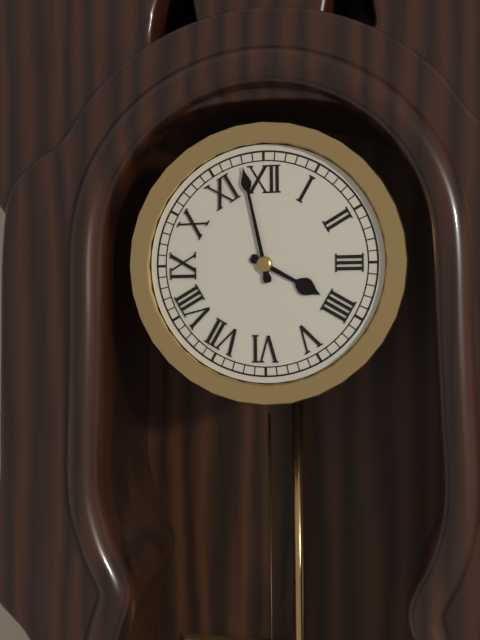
**3:58**
